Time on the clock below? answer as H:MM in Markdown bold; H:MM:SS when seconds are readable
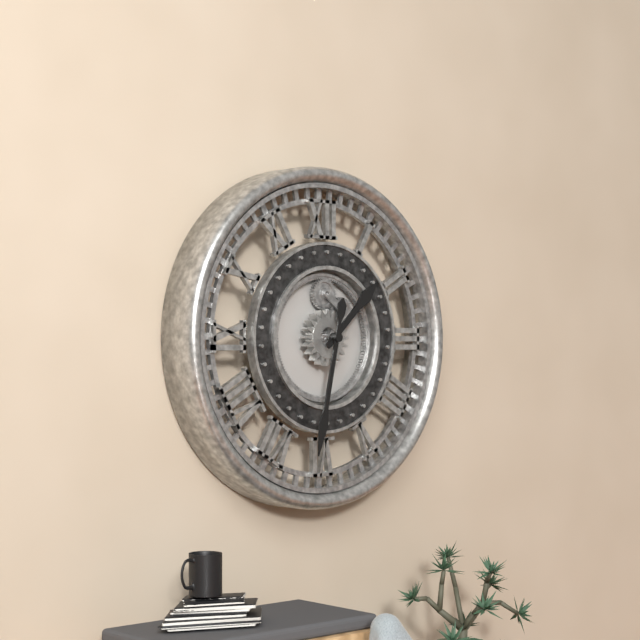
**1:32**
